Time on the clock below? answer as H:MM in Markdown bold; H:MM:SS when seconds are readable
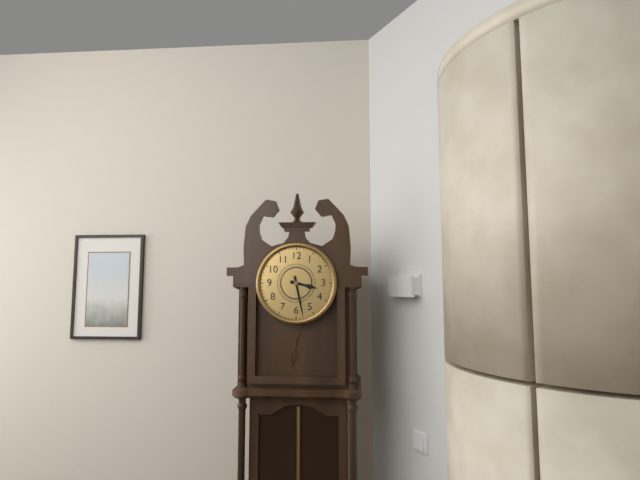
**3:28**
